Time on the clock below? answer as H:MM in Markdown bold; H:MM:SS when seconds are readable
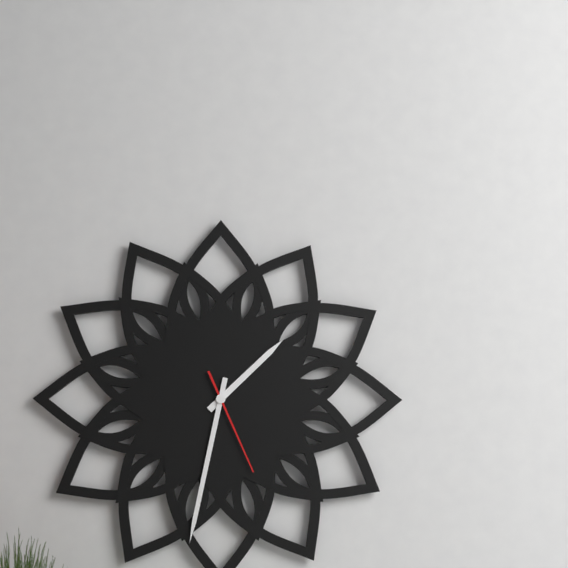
**1:32:26**
